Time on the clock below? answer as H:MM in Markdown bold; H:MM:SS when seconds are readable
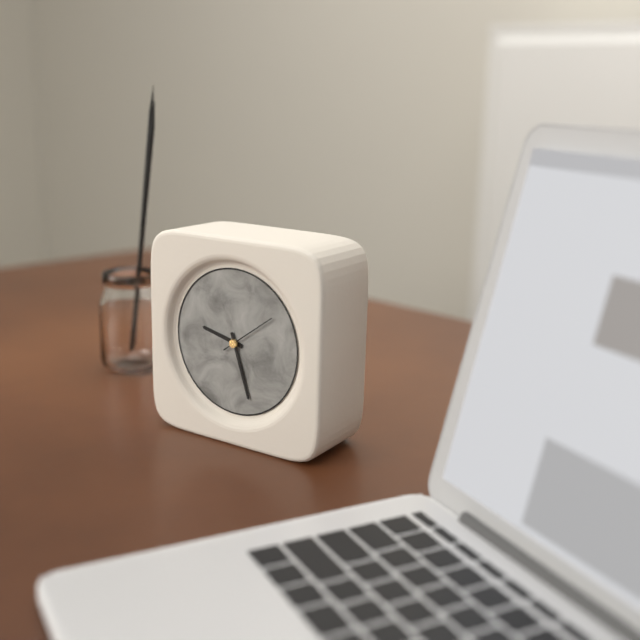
**9:27:09**
